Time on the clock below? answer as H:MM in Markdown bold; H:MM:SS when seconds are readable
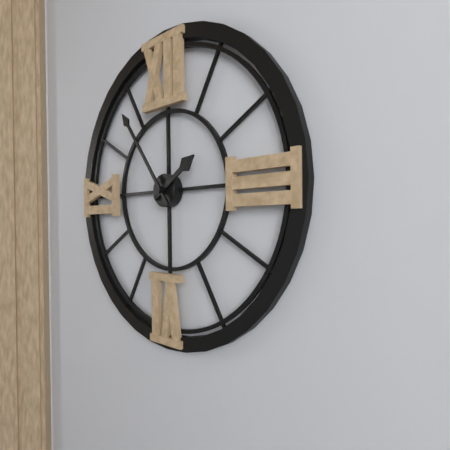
**1:54**
